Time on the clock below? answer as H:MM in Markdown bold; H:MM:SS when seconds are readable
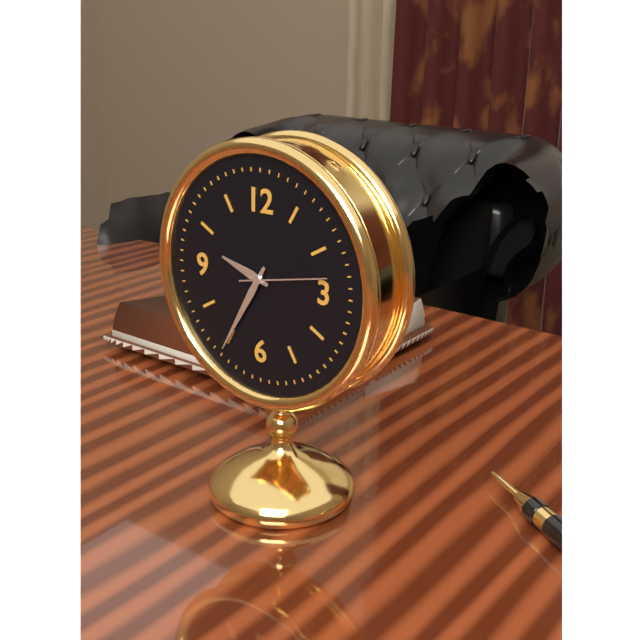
**9:35:13**
